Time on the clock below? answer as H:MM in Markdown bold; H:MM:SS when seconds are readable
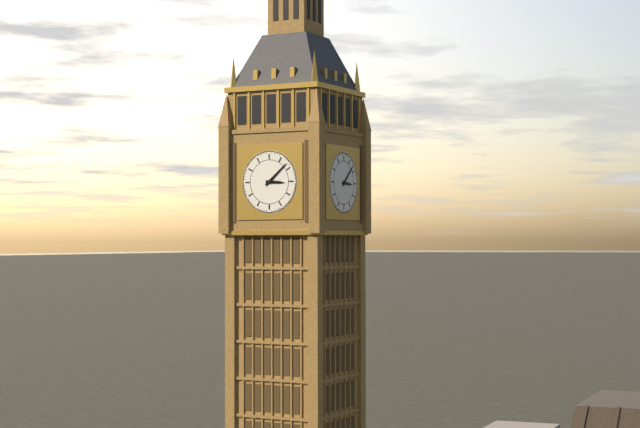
**3:08**
